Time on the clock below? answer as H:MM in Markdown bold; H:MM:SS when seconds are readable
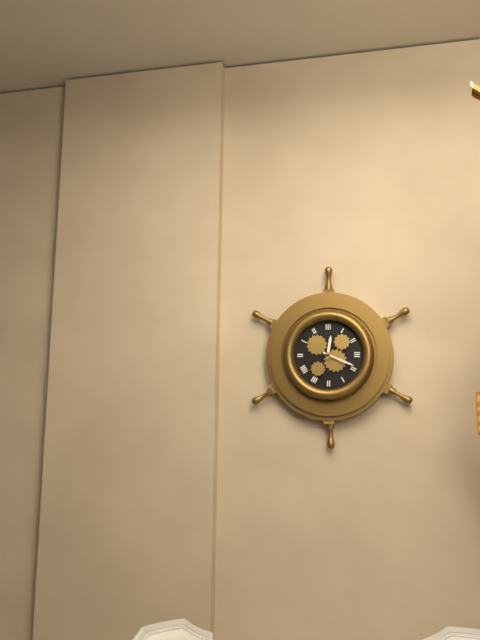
**12:19**
